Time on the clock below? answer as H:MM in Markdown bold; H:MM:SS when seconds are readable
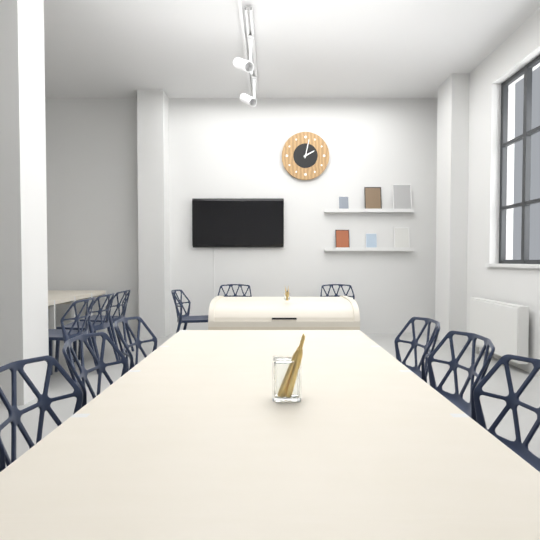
**2:02**
